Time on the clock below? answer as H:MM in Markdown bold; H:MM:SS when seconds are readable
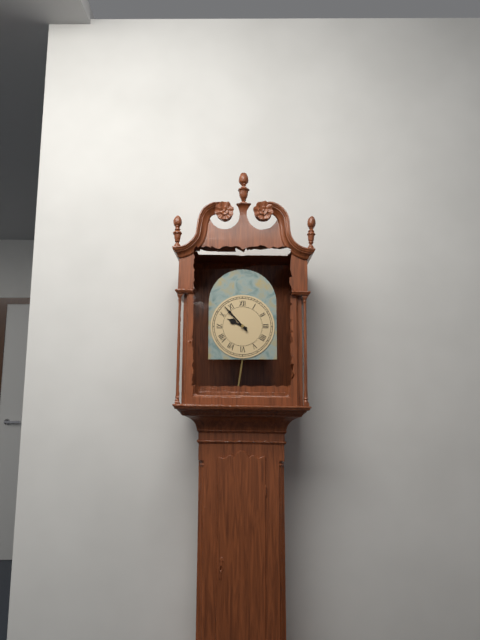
**9:53**
